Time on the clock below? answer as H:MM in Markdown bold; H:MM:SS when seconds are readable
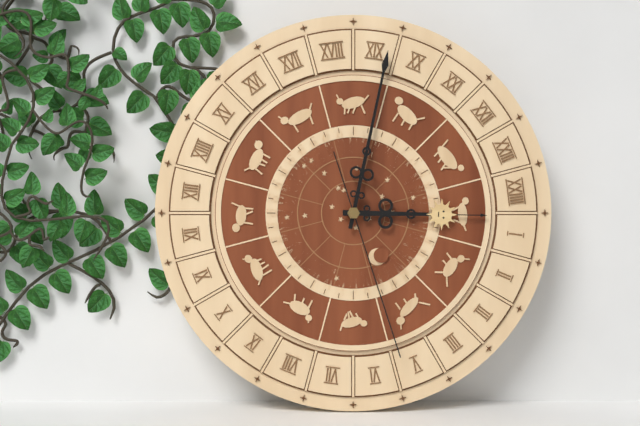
**3:02:27**
